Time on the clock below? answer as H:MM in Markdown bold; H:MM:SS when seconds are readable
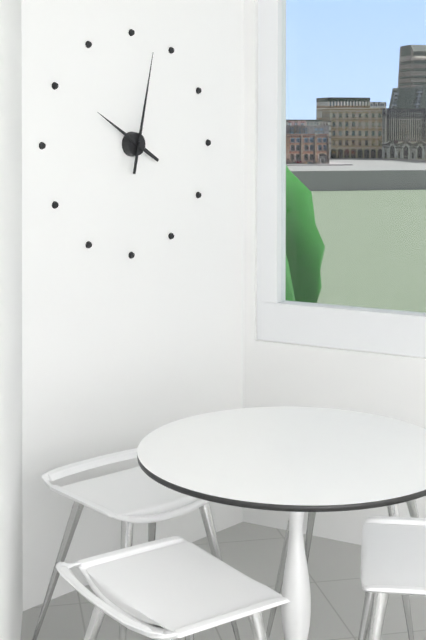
**10:02**
